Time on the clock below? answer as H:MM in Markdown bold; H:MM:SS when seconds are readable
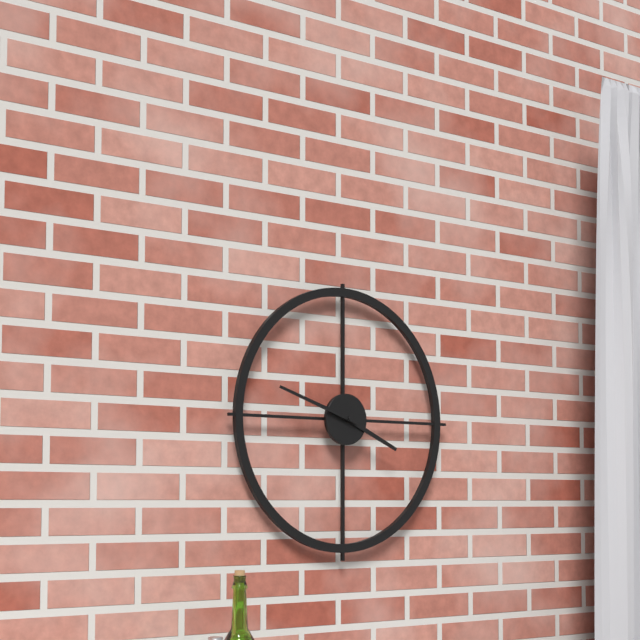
**3:48**
